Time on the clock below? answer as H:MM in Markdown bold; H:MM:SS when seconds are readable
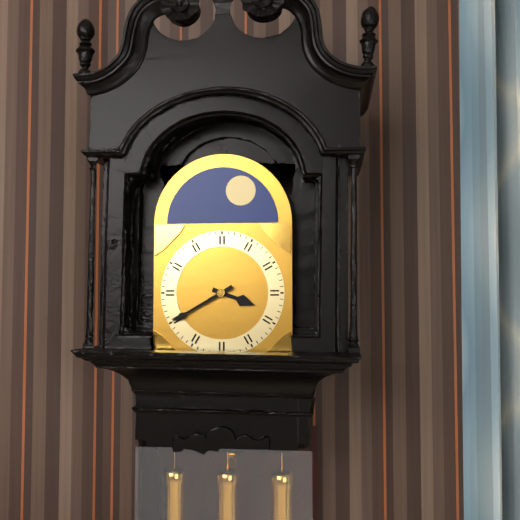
**3:40**
